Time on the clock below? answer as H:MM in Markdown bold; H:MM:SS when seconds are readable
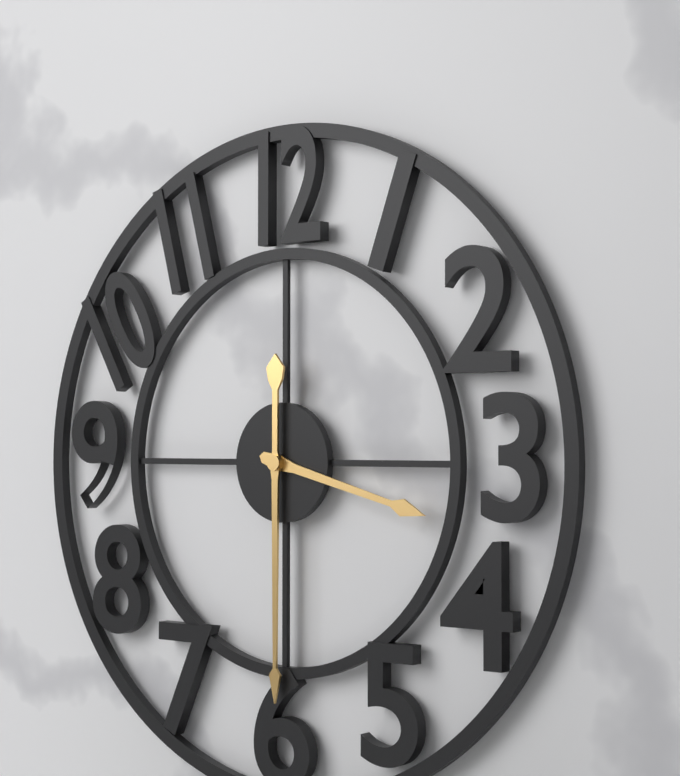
**3:30**
